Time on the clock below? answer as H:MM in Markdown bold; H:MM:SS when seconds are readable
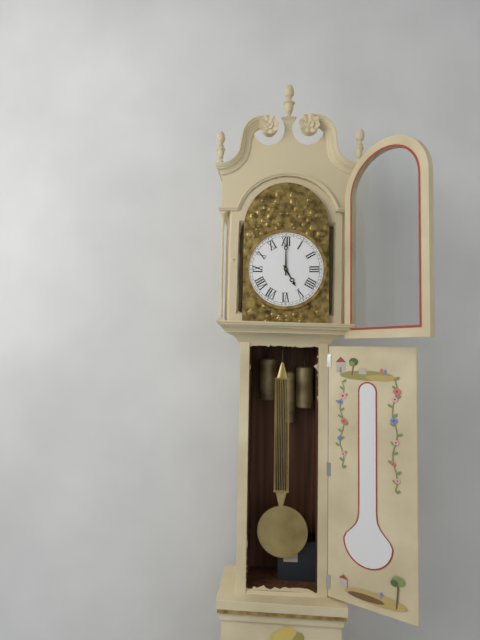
**5:00**
